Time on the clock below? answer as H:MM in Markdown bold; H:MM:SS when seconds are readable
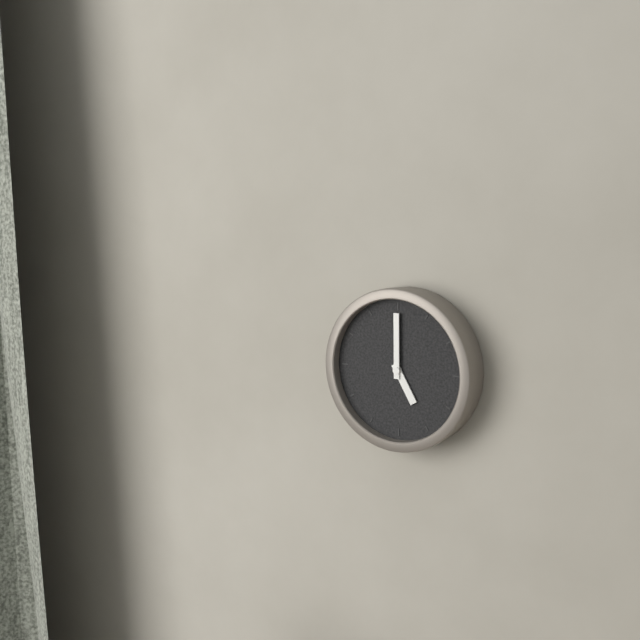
**5:00**
